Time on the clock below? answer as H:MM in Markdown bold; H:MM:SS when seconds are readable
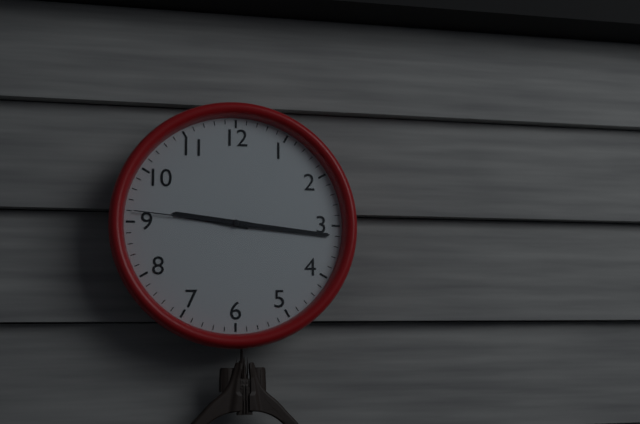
**9:16:46**
